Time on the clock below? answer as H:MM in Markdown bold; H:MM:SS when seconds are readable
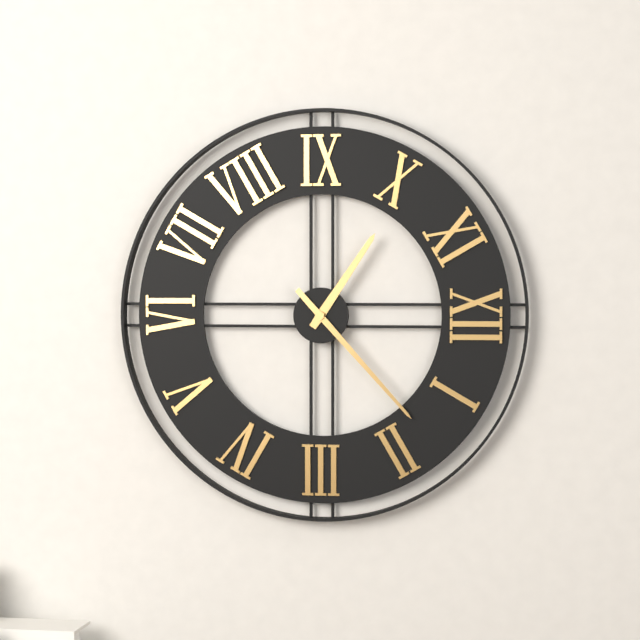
**10:08**
